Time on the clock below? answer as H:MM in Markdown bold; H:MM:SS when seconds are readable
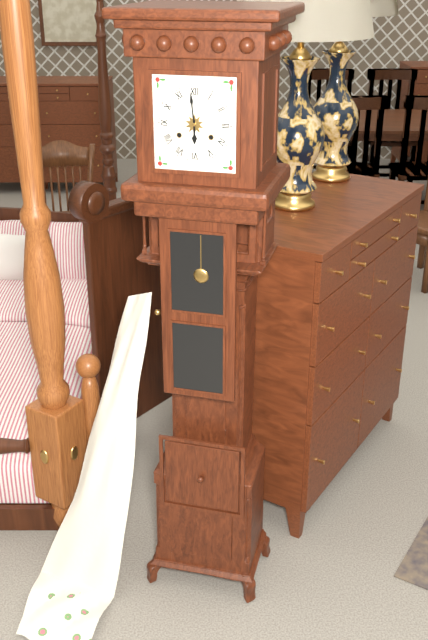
**5:59**
